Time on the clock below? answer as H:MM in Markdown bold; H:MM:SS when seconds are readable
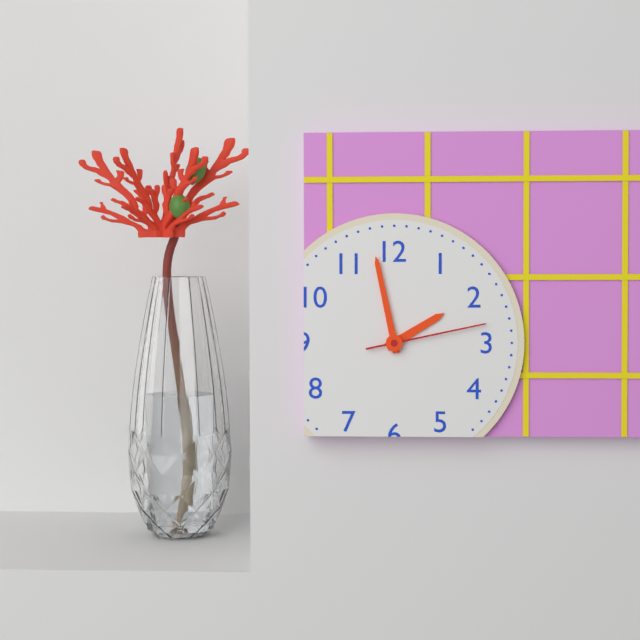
**1:58:13**
